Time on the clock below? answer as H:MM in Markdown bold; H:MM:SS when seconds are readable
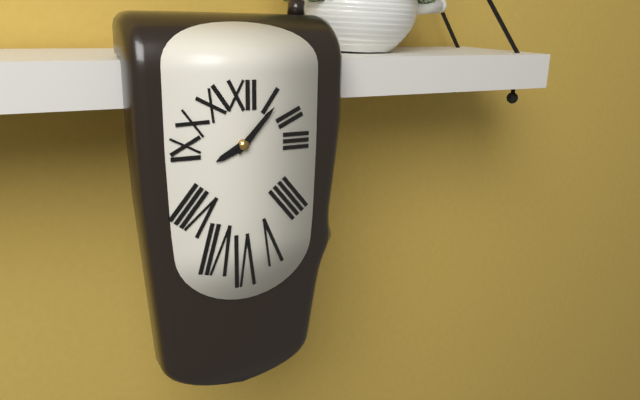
**8:07**
